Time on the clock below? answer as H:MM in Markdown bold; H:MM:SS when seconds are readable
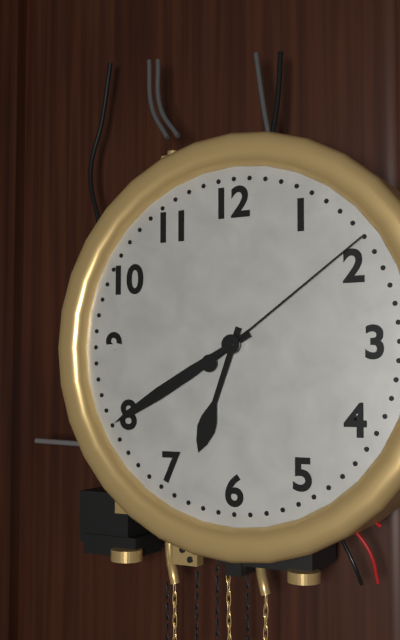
**6:40:09**
